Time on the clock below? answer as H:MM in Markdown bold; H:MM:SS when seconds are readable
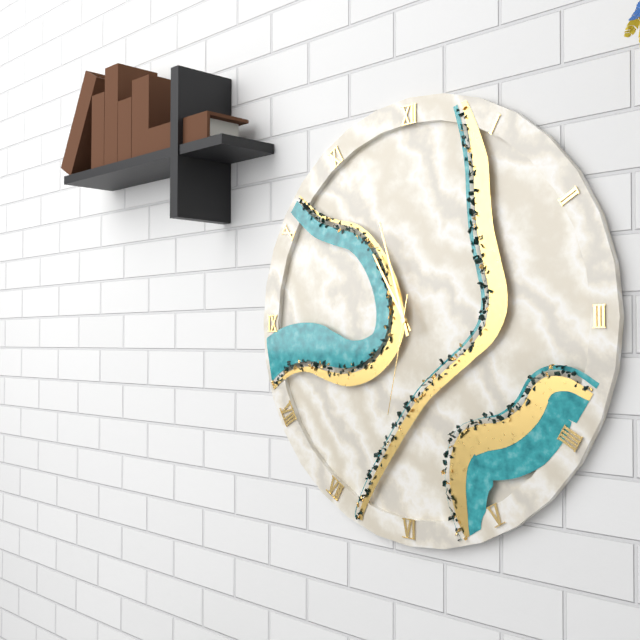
**10:57:32**
